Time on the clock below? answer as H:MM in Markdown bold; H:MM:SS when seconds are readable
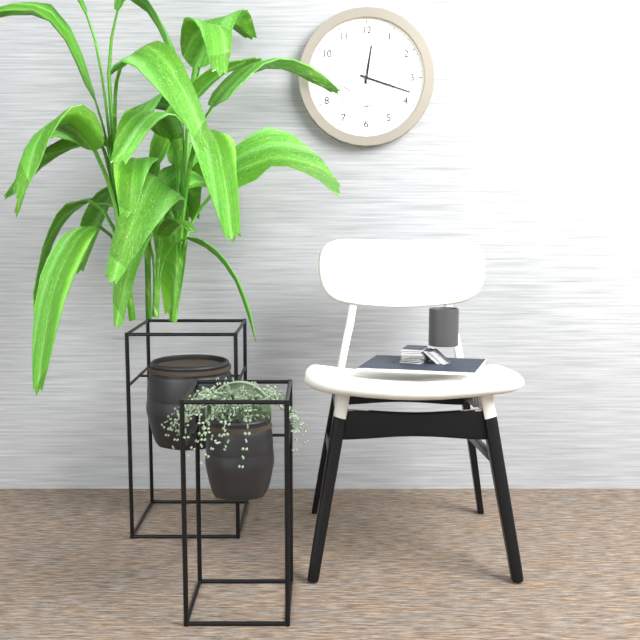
**12:18:29**
